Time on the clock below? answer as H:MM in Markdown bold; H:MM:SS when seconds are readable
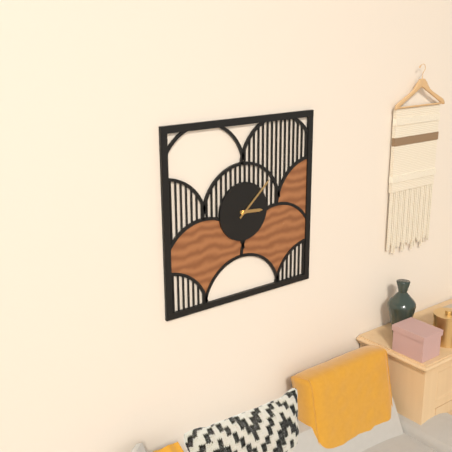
**3:08**
